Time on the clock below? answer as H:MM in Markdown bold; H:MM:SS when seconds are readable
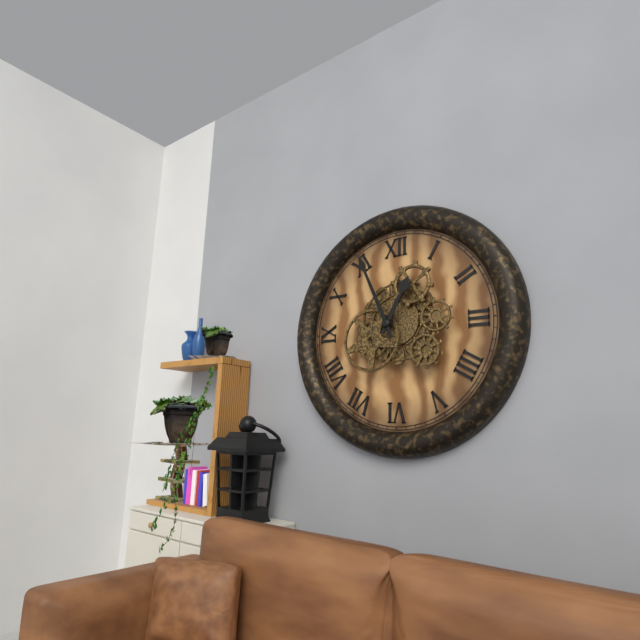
**12:56**
